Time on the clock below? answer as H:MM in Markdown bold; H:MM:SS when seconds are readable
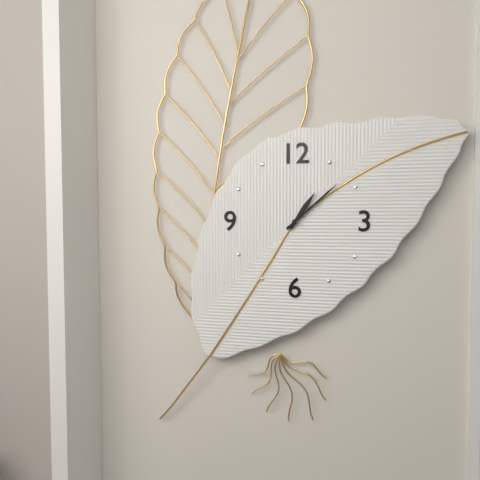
**1:08**
